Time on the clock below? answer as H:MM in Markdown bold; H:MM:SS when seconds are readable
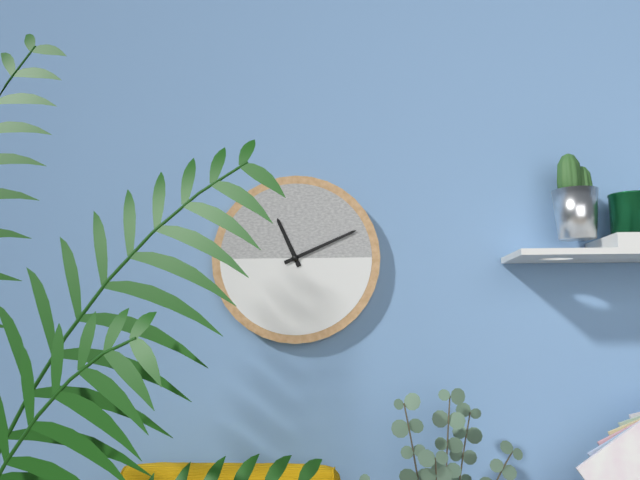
**11:11**
